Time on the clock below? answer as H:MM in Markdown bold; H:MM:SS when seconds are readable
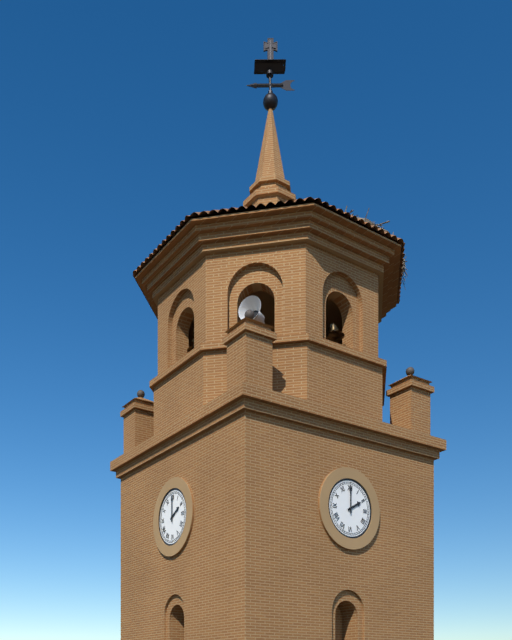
**2:00**
